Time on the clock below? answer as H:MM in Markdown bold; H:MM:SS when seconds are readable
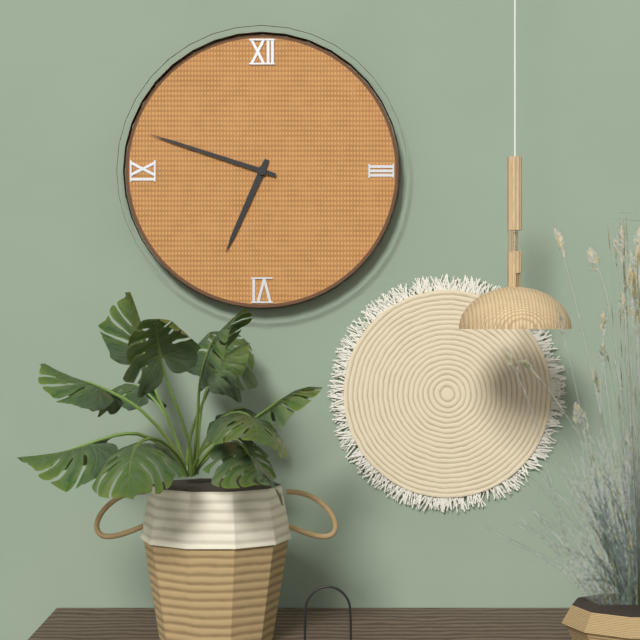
**6:48**
